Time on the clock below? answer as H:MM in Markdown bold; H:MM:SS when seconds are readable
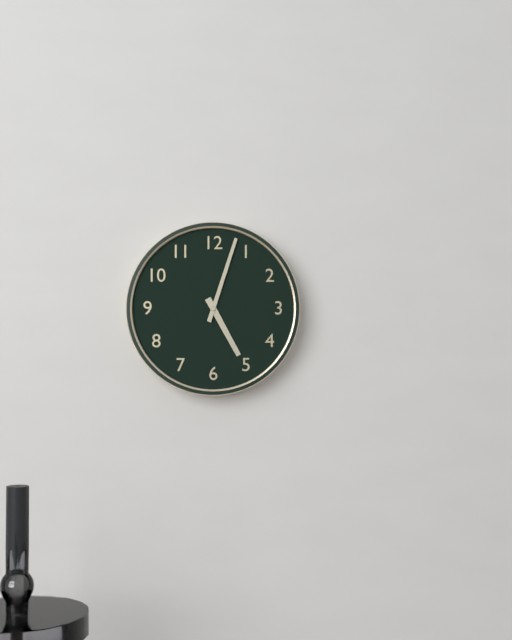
**5:03**
